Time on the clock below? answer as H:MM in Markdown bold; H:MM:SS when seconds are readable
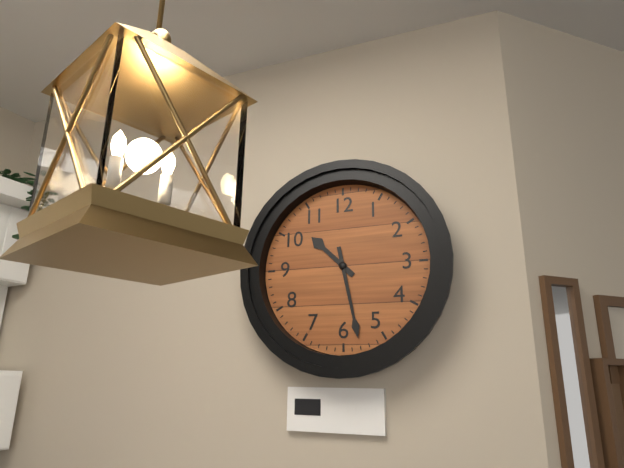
**10:28**
